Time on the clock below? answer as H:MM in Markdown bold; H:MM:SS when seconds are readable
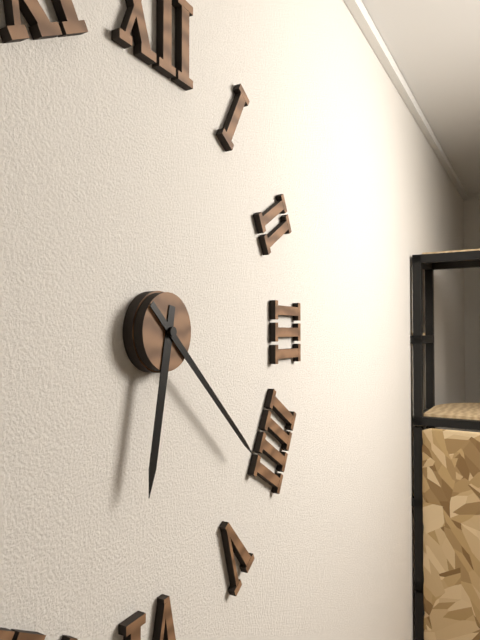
**6:22**
